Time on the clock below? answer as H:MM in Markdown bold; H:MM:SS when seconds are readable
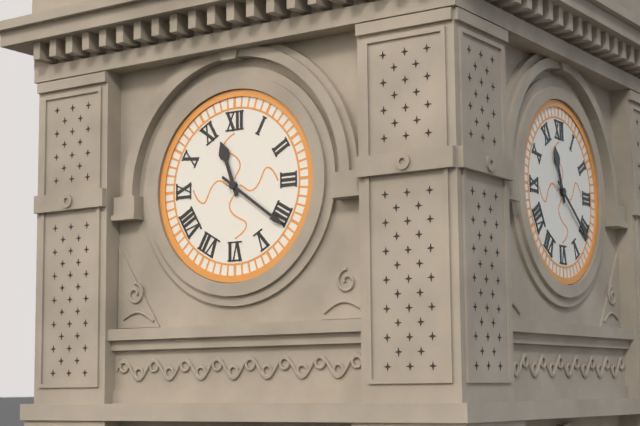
**11:21**
